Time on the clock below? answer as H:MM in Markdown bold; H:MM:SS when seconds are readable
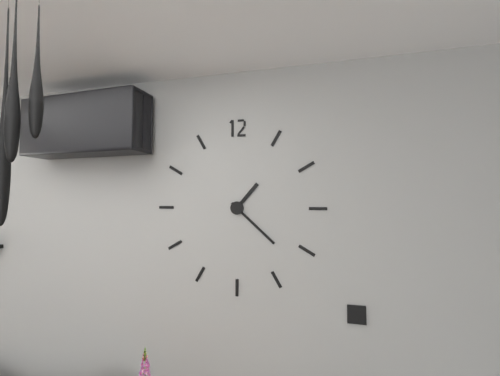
**1:22**
